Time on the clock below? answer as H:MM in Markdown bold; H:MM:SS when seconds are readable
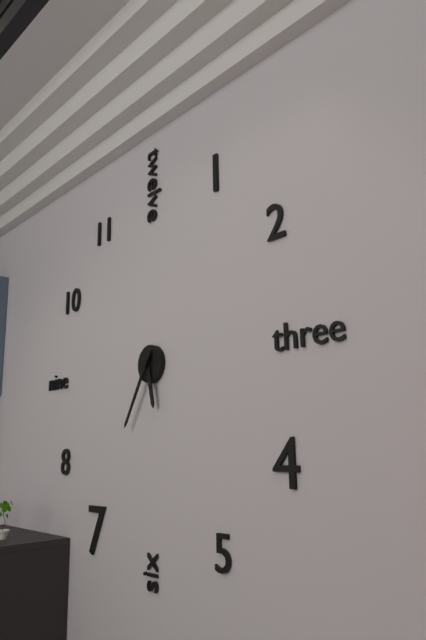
**5:35**
